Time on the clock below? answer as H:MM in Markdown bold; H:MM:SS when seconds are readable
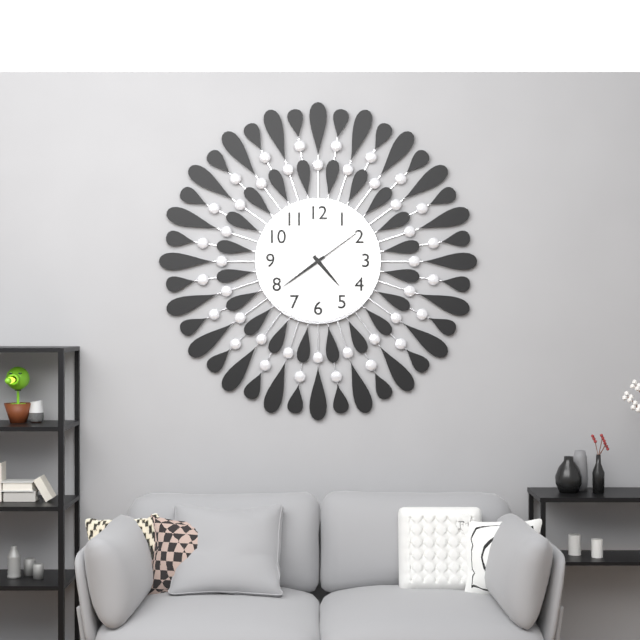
**4:39:09**
